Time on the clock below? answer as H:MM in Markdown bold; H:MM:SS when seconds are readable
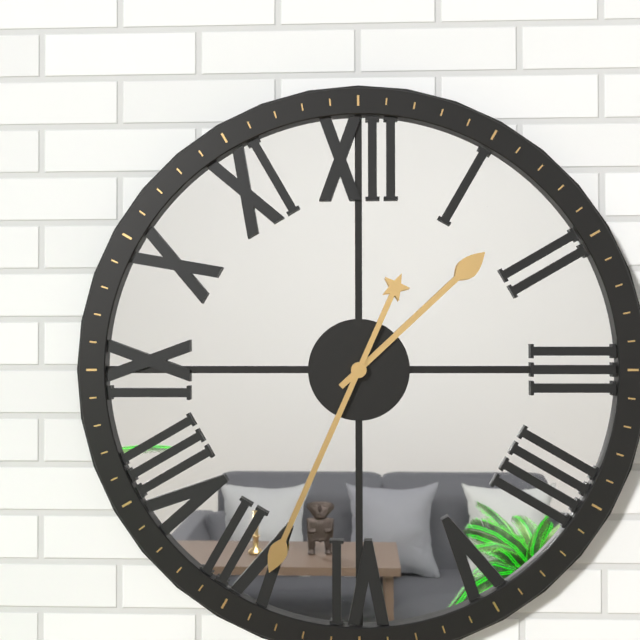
**1:34**
